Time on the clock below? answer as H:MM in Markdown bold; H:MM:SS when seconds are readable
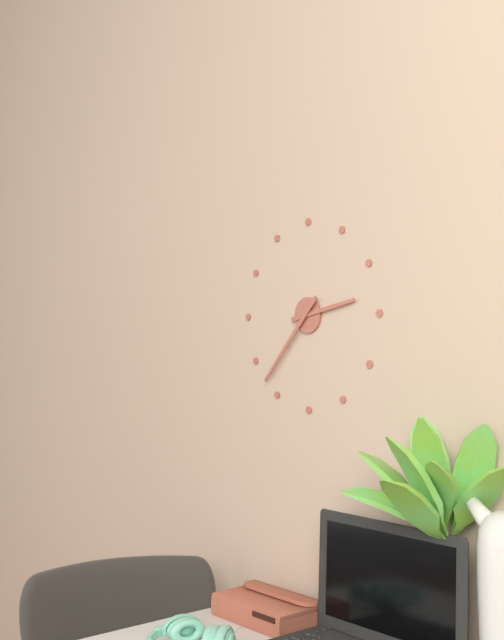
**2:37**
